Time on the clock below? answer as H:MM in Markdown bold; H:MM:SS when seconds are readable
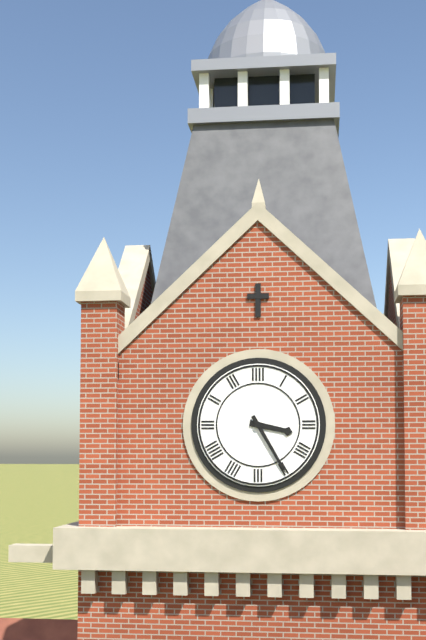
**3:25**
